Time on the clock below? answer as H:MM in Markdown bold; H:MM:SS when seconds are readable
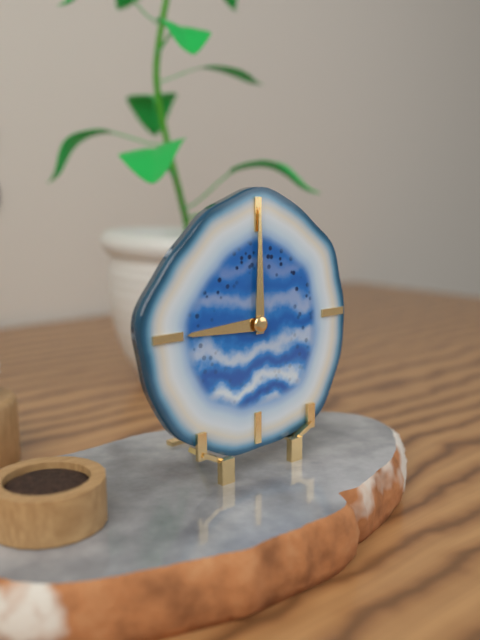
**9:00**
